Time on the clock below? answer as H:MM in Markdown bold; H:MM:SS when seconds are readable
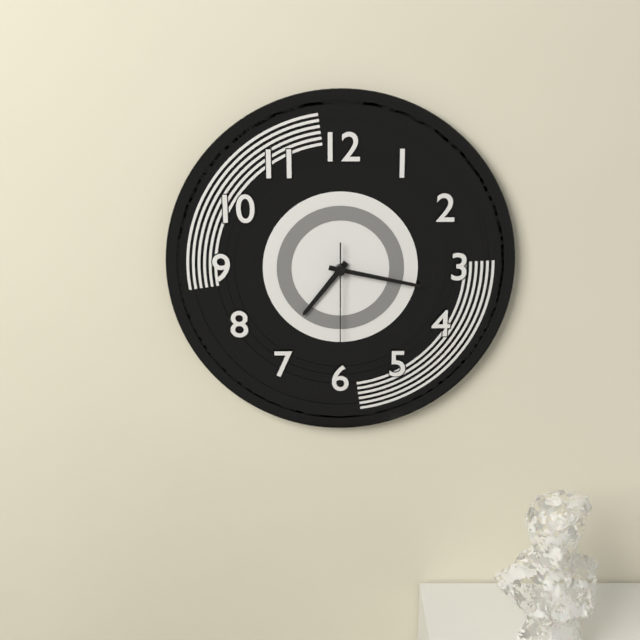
**7:17:30**
